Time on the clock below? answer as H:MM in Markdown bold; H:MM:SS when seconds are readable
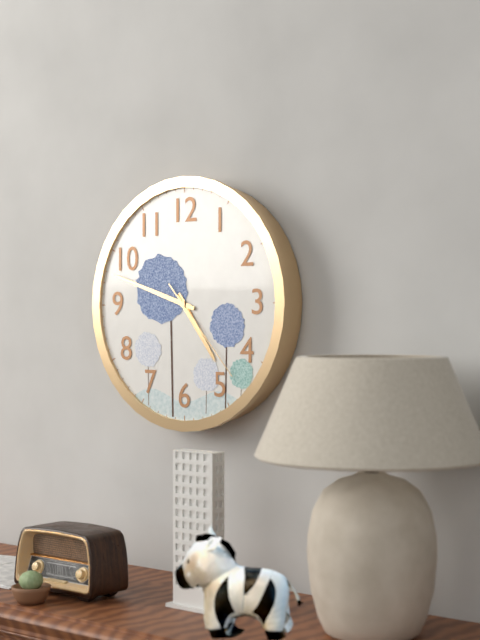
**4:48:23**
